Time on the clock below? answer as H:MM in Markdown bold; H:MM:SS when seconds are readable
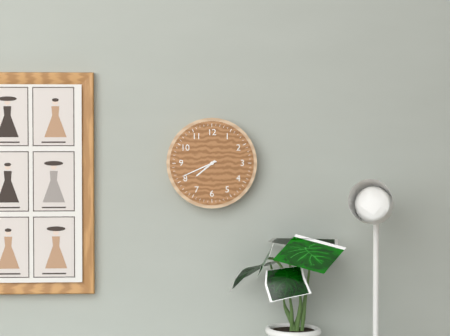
**7:41**
